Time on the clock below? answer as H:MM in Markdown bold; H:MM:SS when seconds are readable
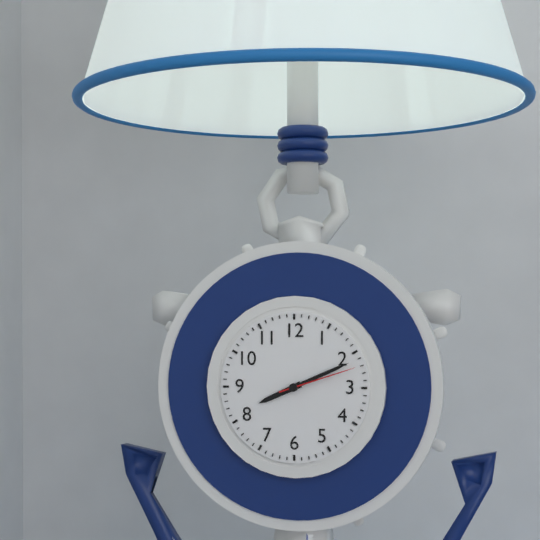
**8:11:12**
